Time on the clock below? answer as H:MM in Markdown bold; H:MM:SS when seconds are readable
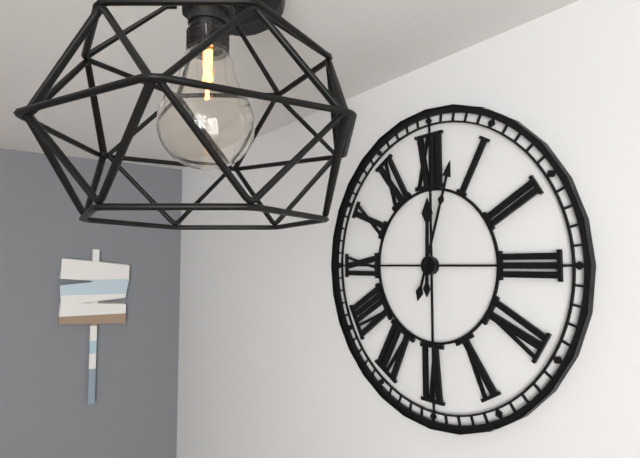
**12:03**
